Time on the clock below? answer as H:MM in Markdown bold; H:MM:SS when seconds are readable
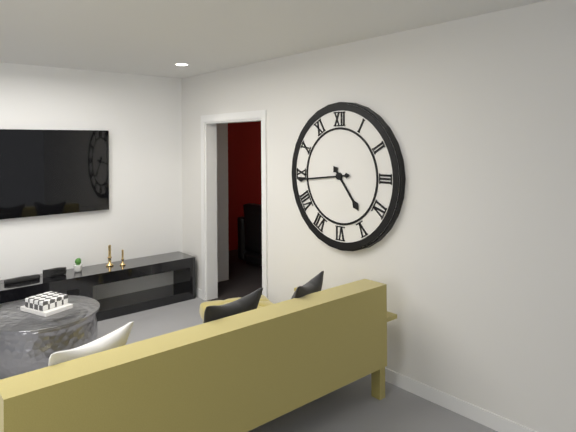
**4:44**
